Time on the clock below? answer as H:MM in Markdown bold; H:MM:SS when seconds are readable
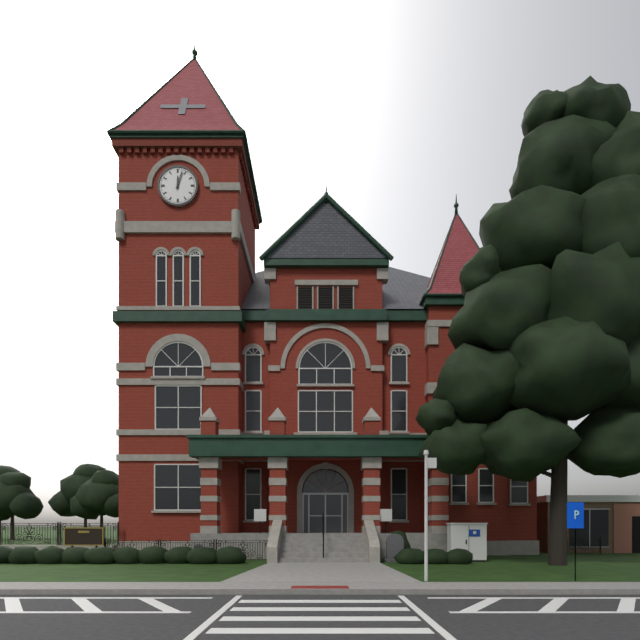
**12:03**
